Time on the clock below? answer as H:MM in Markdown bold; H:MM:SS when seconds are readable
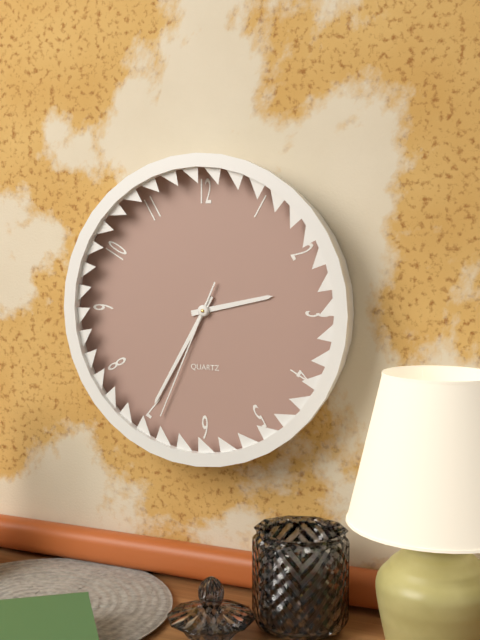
**2:35:34**
